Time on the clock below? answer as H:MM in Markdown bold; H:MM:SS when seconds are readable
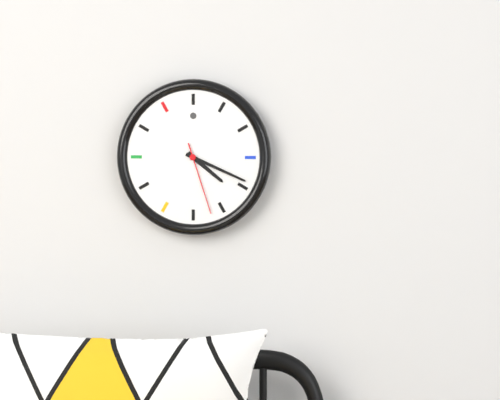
**4:19:27**
